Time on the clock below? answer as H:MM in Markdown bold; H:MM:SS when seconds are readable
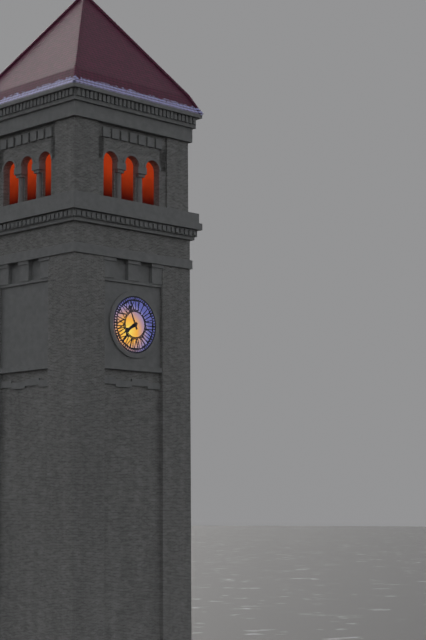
**7:56**
